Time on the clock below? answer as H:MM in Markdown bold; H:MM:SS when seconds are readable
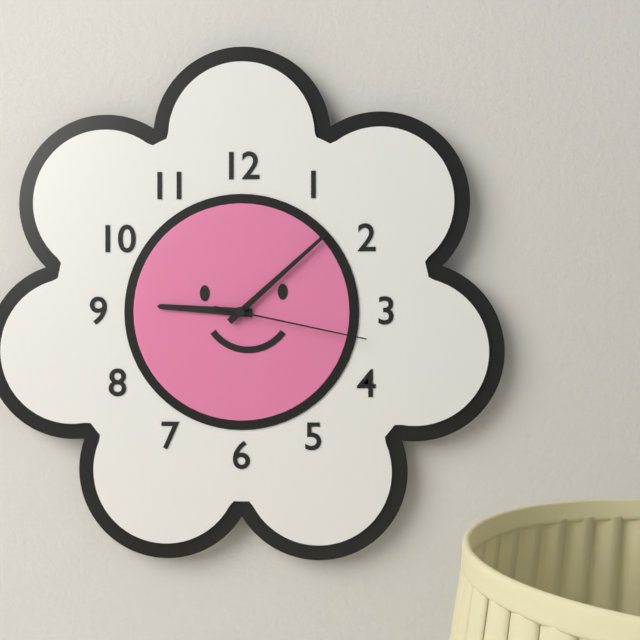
**9:08:17**
